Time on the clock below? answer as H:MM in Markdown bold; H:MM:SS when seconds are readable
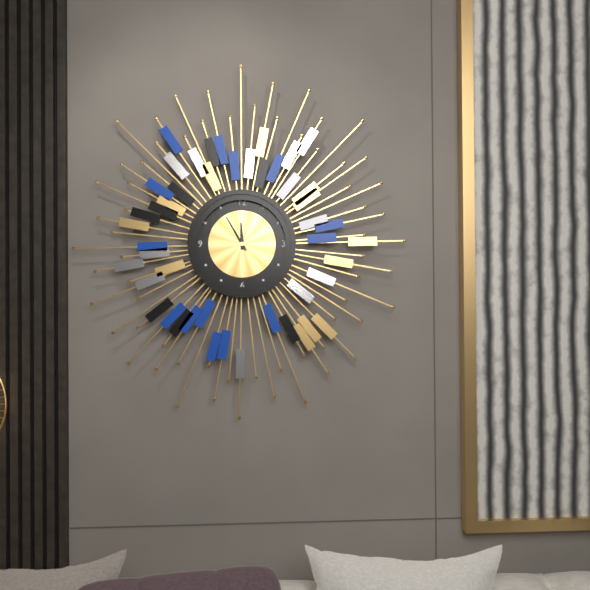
**11:55**
